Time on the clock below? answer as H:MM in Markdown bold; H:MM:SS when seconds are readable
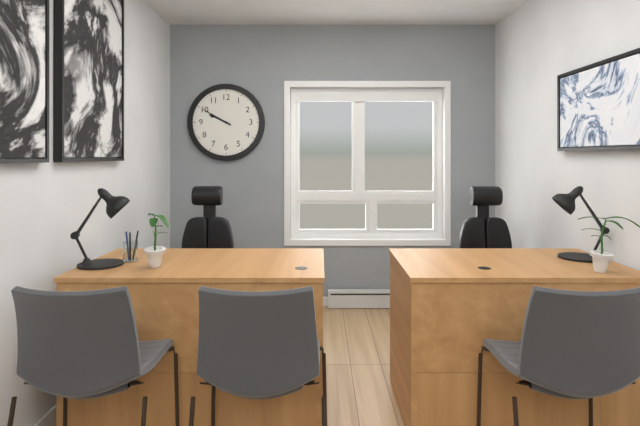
**9:50**
